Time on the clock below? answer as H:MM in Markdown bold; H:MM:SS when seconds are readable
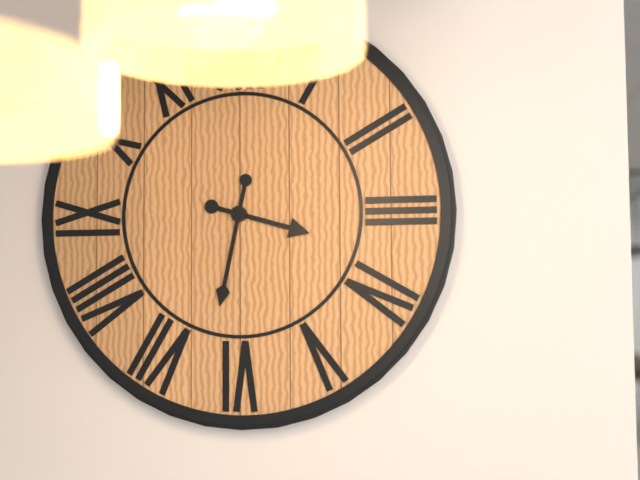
**3:32**
